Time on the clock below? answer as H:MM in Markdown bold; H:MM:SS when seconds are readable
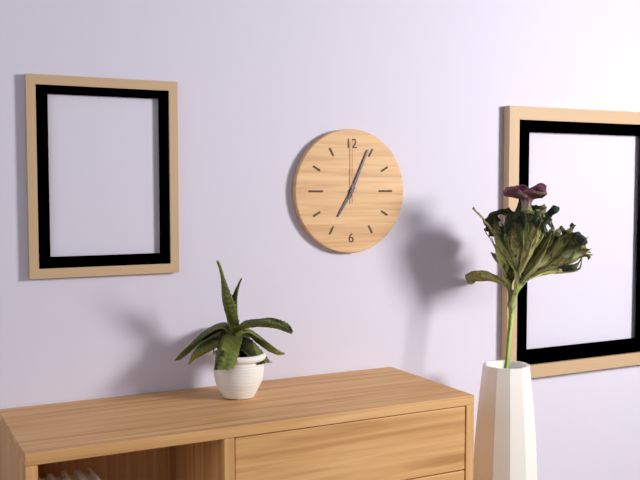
**7:04:00**
